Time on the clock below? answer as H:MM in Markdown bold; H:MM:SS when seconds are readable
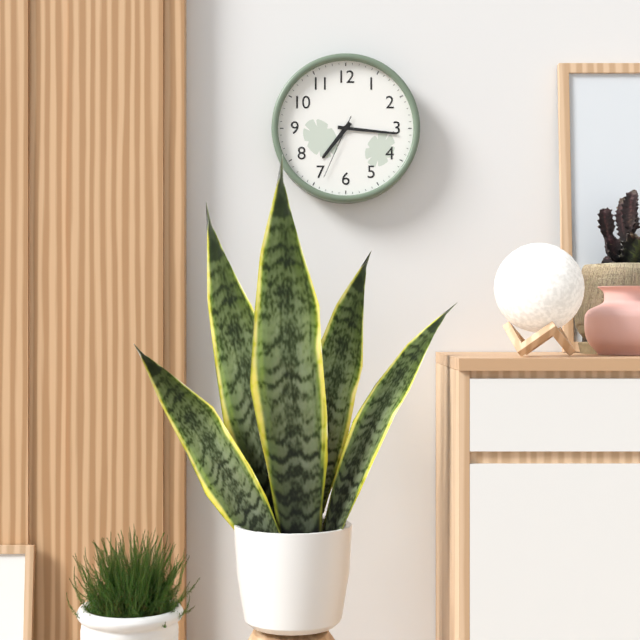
**7:16:34**
